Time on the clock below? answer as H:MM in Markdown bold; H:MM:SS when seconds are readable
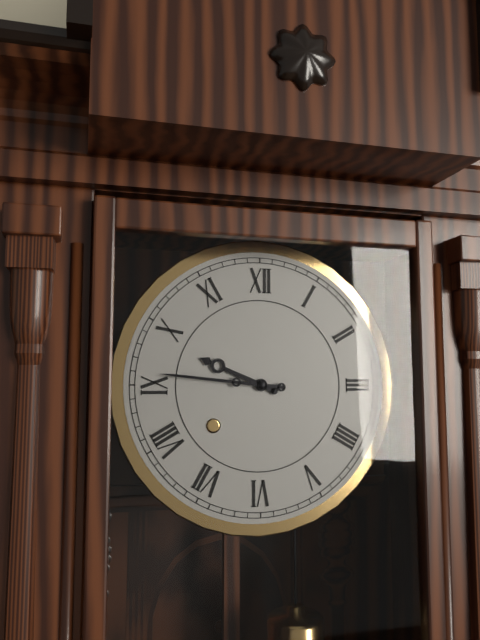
**9:46**
